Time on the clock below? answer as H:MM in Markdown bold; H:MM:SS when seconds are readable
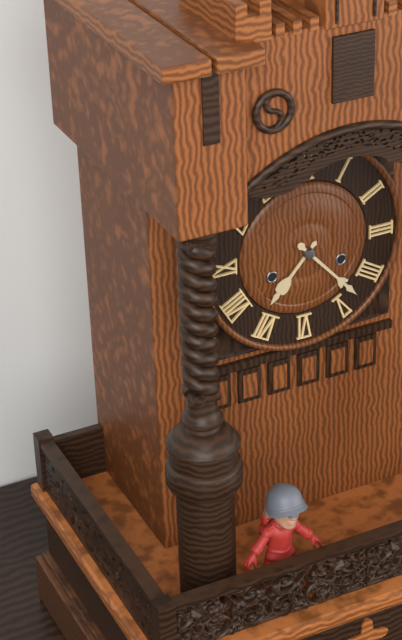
**7:23**
